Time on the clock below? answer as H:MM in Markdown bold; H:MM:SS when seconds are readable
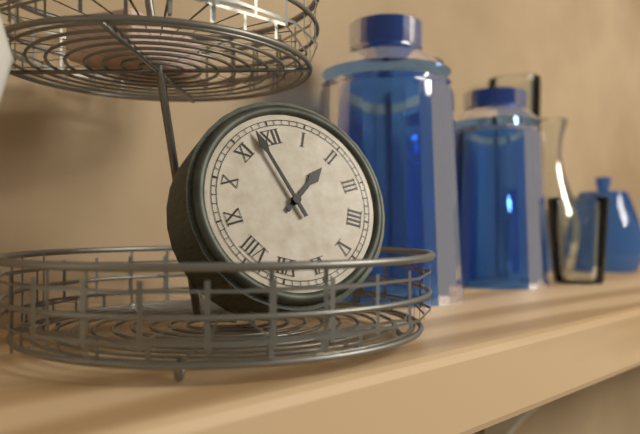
**1:58**
